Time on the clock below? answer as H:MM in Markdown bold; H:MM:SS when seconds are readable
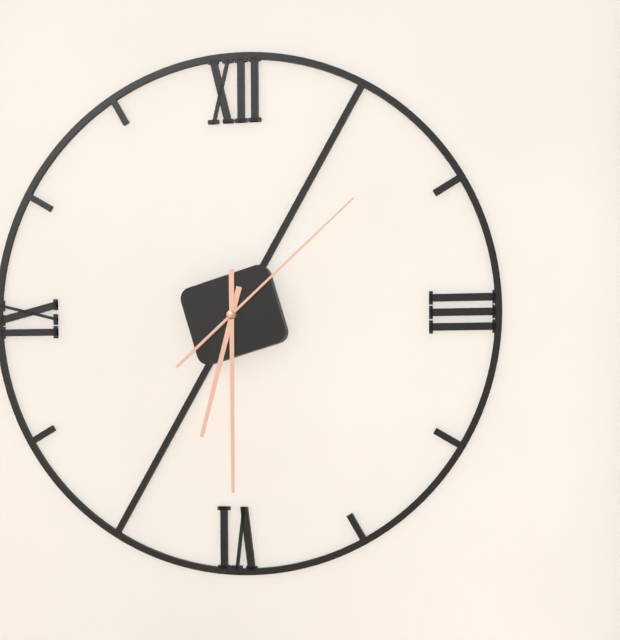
**6:30:08**
